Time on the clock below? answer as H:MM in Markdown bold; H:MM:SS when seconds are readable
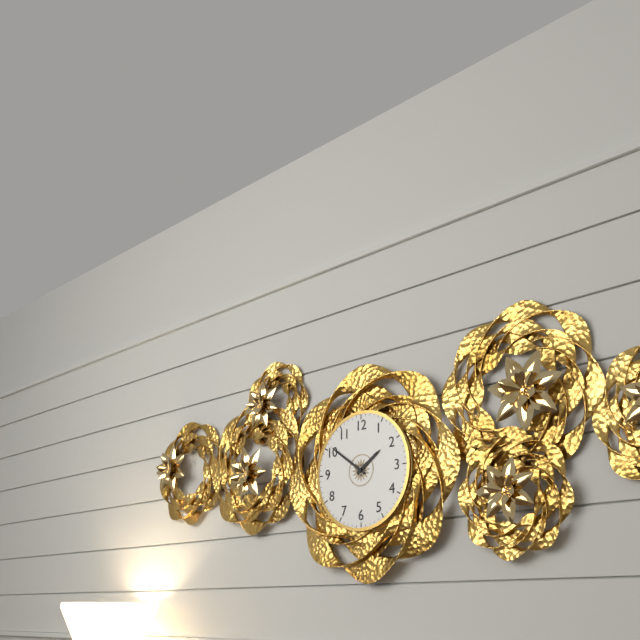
**1:51**
